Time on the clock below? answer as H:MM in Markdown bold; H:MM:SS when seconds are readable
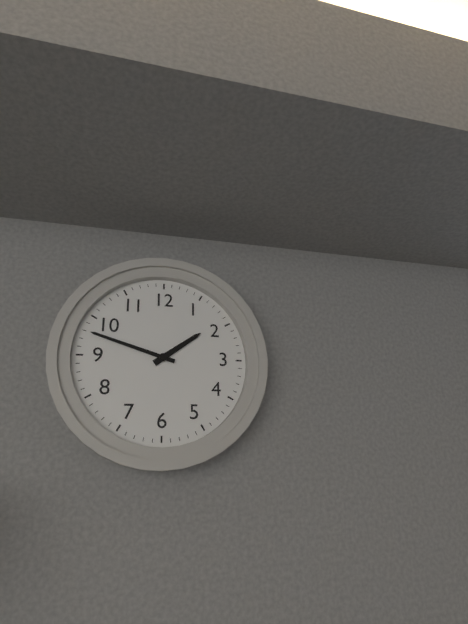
**1:48**
